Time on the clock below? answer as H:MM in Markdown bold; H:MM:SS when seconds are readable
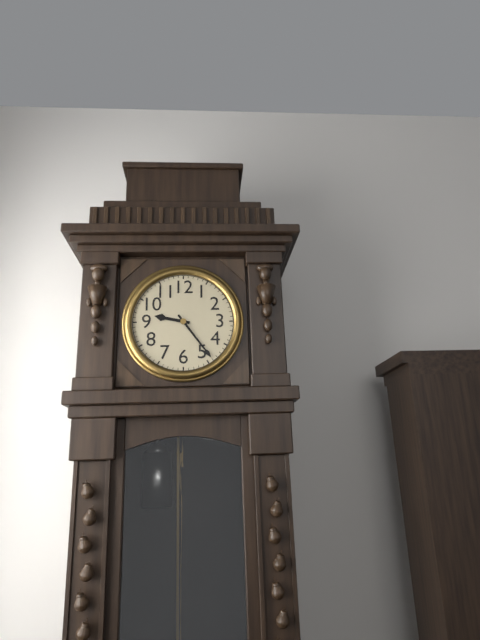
**9:24**
